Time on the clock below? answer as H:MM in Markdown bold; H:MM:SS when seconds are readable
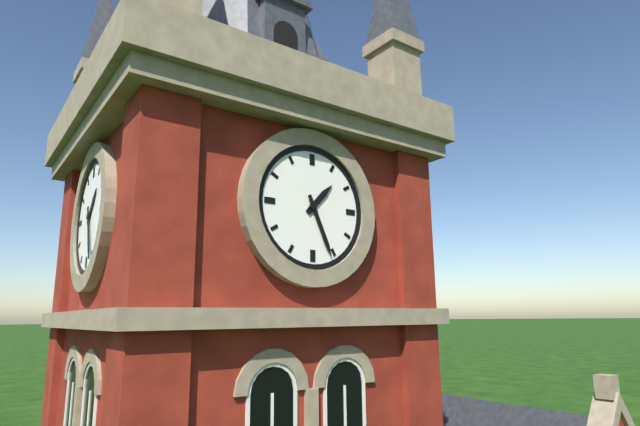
**1:26**
